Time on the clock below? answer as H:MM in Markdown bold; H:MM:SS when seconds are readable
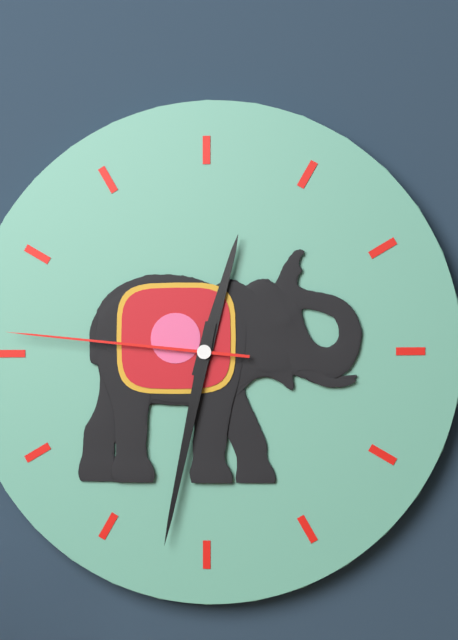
**12:32:46**
